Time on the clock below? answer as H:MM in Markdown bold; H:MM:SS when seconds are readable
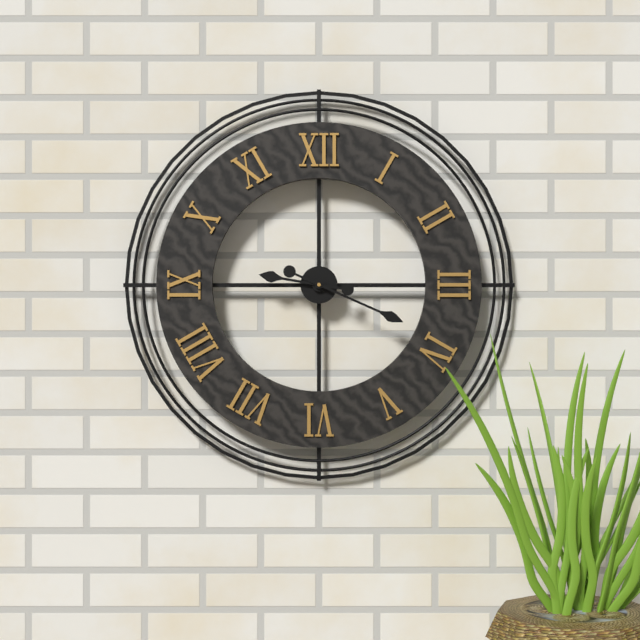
**9:19**
